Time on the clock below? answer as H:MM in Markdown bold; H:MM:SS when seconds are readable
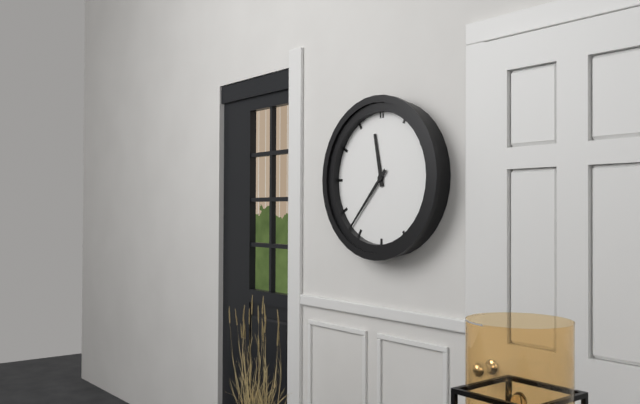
**11:37**
